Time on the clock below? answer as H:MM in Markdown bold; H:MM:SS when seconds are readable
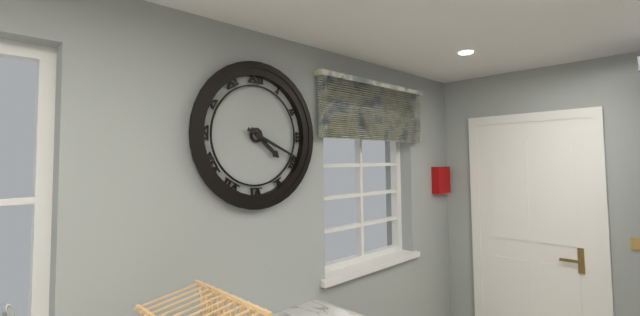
**4:19**
